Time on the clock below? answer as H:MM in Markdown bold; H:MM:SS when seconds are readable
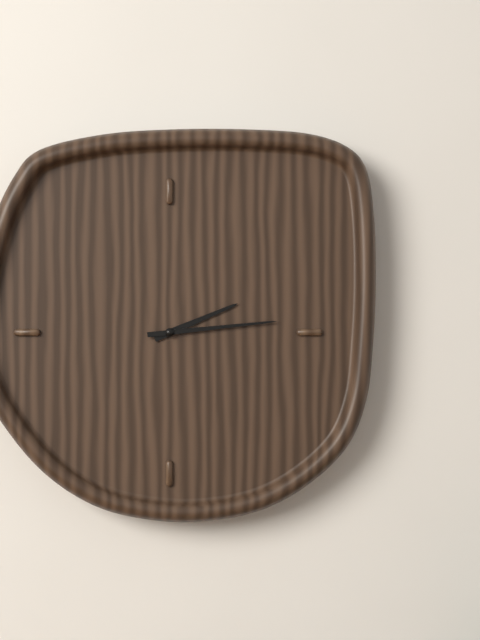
**2:14**
